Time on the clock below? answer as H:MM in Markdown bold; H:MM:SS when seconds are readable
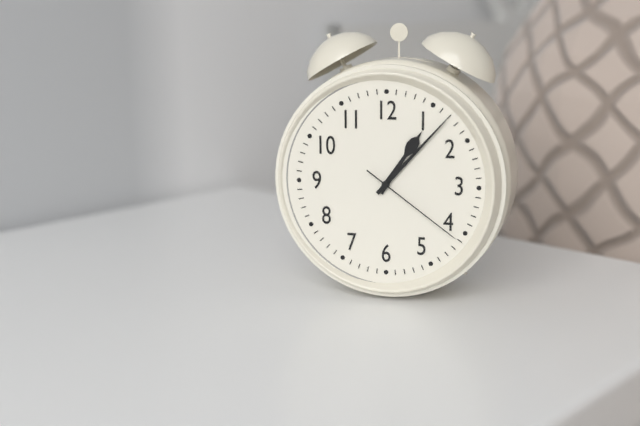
**1:07:21**
